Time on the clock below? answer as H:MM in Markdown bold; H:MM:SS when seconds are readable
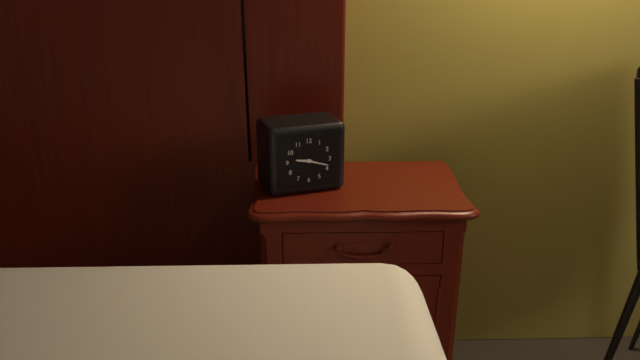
**9:18**
